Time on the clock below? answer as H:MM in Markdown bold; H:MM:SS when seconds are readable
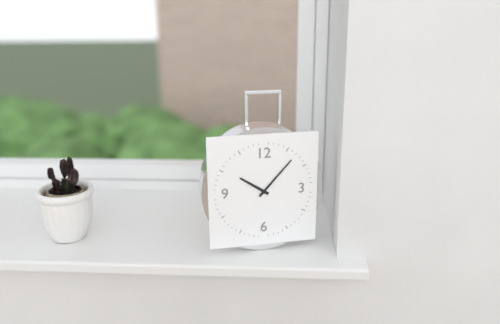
**10:07**
